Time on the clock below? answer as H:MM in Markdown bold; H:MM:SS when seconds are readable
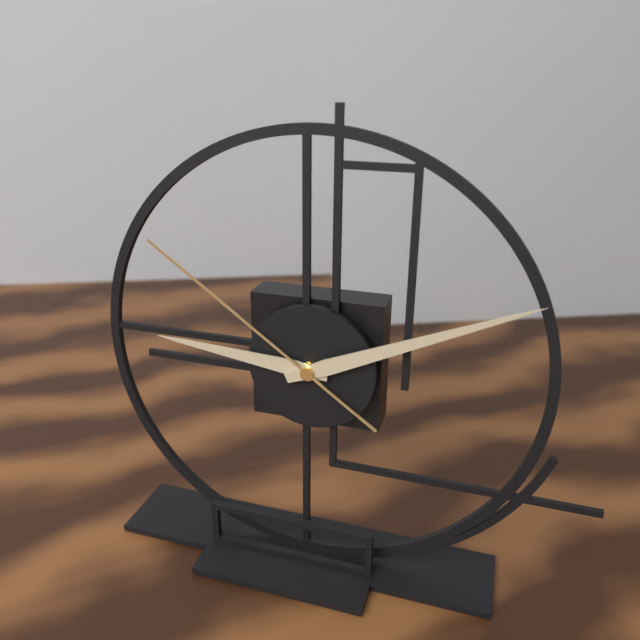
**9:11:51**
